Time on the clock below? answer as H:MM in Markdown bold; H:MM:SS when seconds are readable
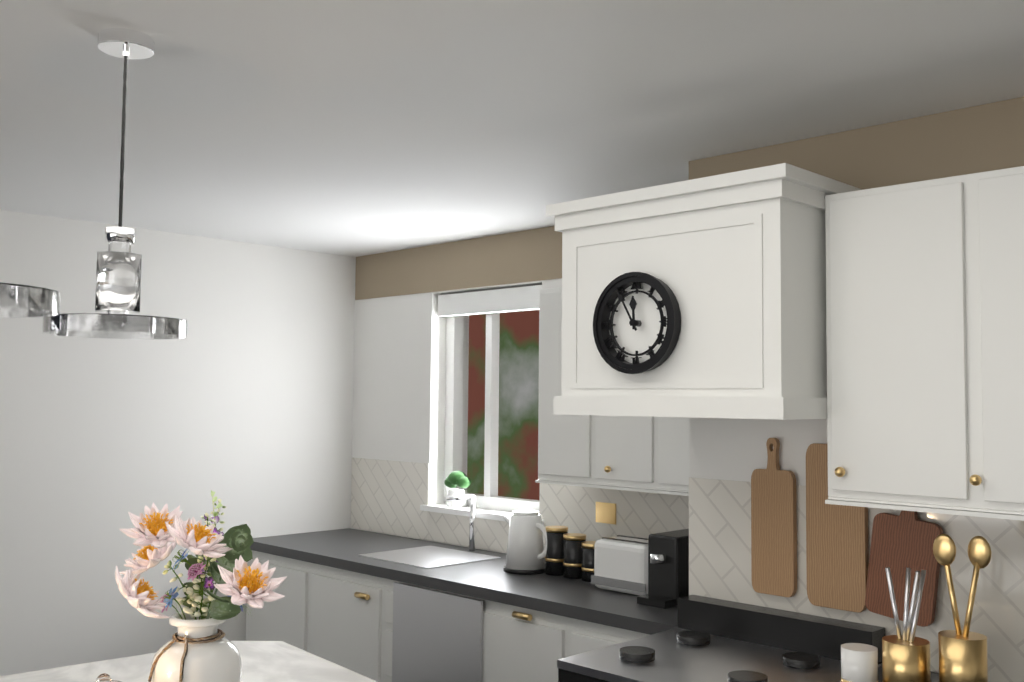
**11:55**
